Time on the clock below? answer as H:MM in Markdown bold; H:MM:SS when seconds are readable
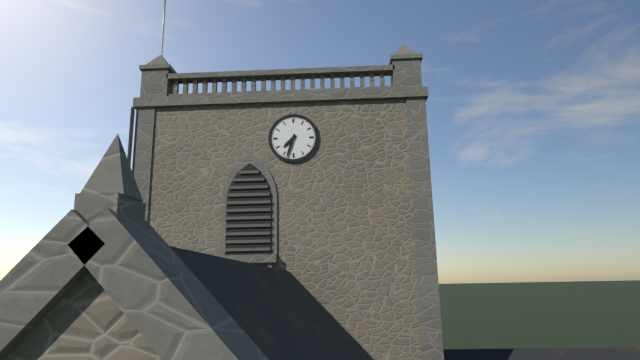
**7:33**
